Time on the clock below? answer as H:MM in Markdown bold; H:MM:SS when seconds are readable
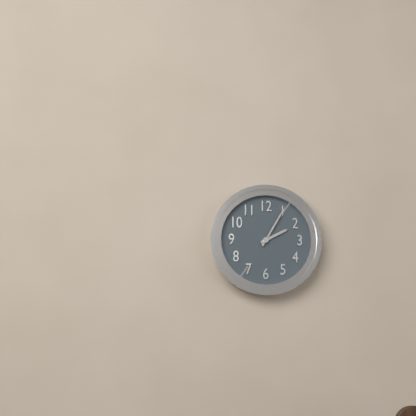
**2:05**
